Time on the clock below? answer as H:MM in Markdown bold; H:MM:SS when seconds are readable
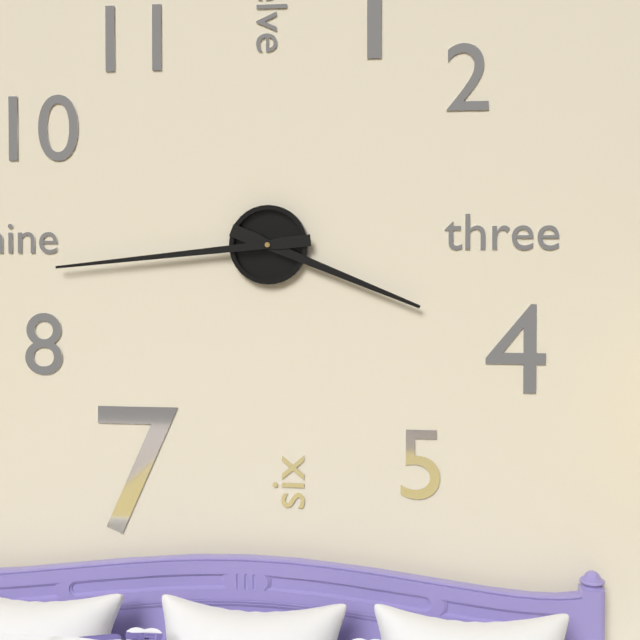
**3:44**
